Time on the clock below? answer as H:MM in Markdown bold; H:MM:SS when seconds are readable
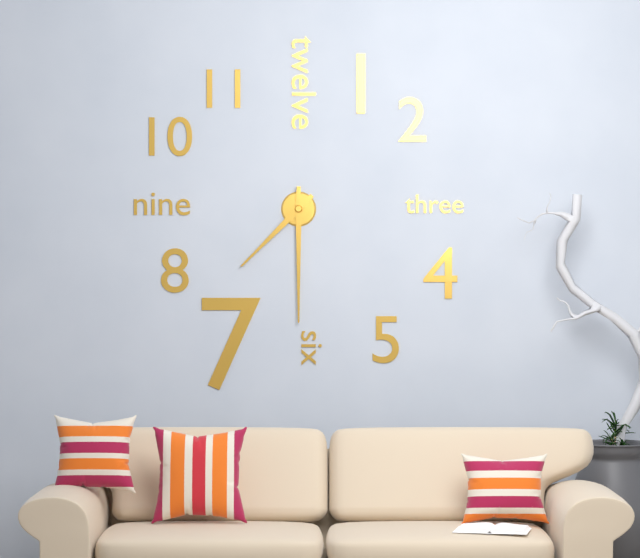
**7:30**
